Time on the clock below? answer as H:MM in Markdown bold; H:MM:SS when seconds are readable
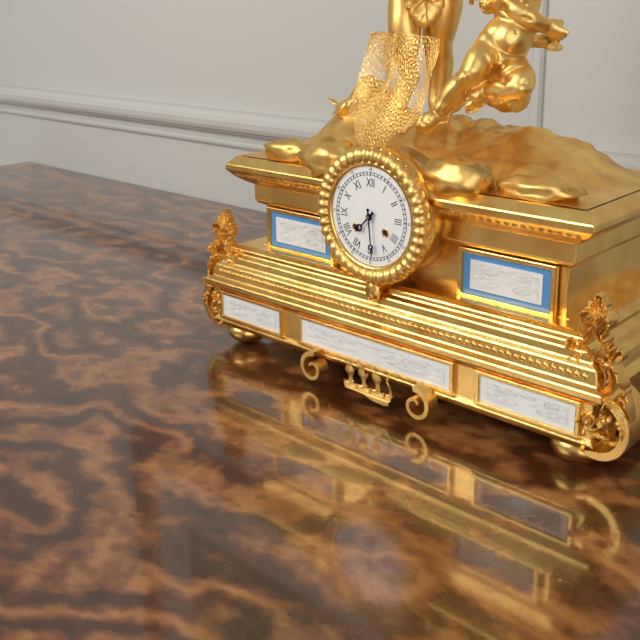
**7:29**
